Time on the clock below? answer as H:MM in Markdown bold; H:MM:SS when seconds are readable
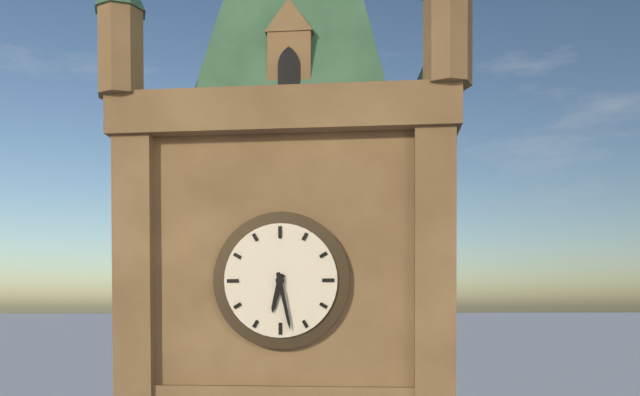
**6:28**
